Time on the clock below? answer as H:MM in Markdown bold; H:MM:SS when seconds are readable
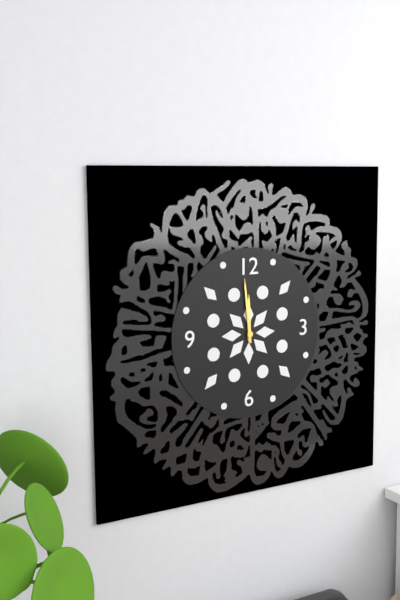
**11:59**
